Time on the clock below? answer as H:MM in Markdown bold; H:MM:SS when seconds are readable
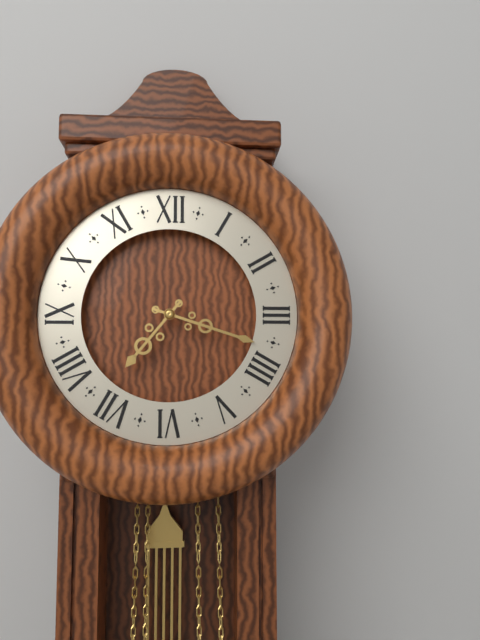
**7:18**
